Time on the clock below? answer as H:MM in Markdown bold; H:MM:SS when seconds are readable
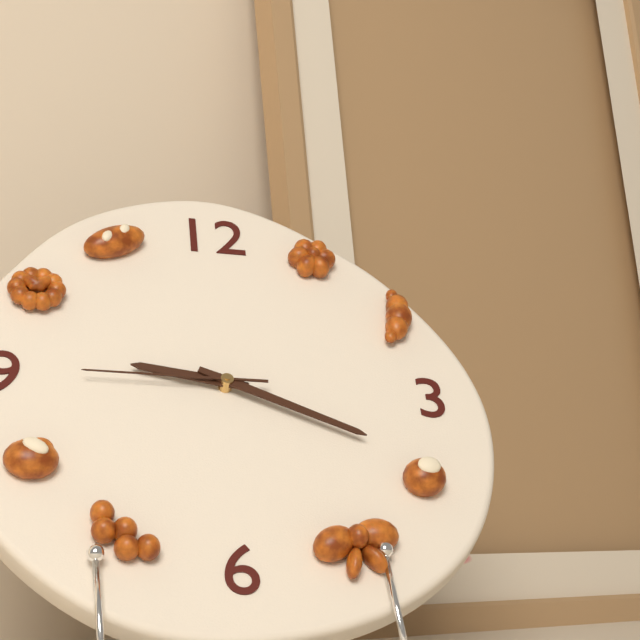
**9:19:45**
